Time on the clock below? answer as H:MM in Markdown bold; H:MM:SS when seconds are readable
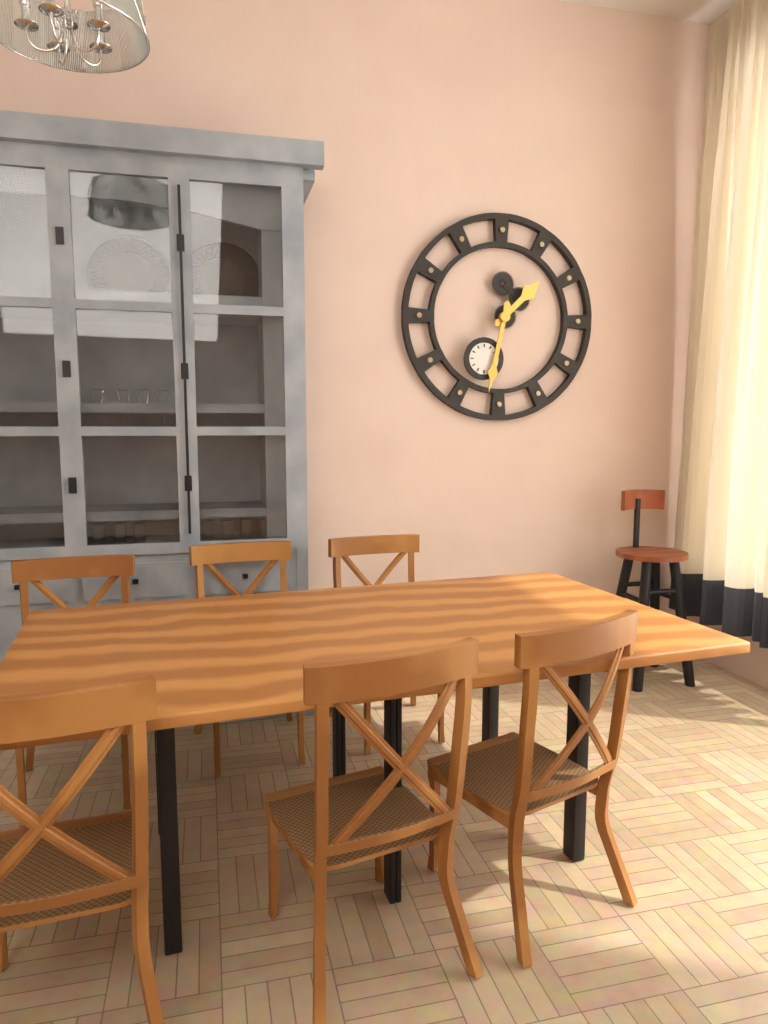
**1:32**
